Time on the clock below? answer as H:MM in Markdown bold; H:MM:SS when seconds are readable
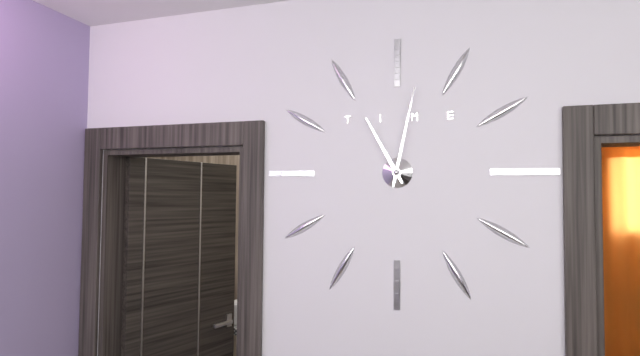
**11:02**
